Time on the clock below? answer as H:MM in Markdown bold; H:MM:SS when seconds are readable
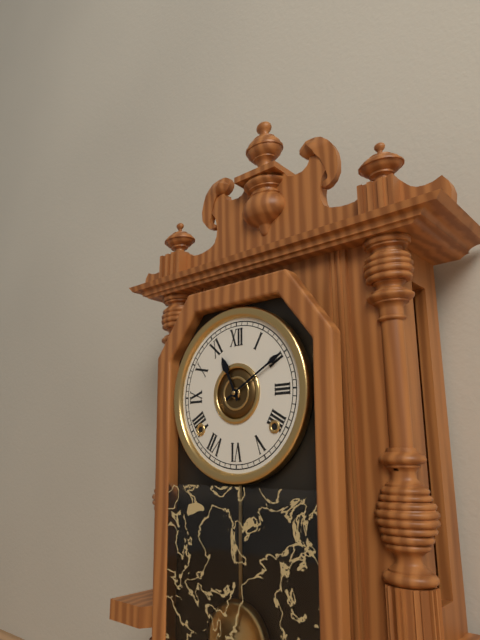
**11:10**
